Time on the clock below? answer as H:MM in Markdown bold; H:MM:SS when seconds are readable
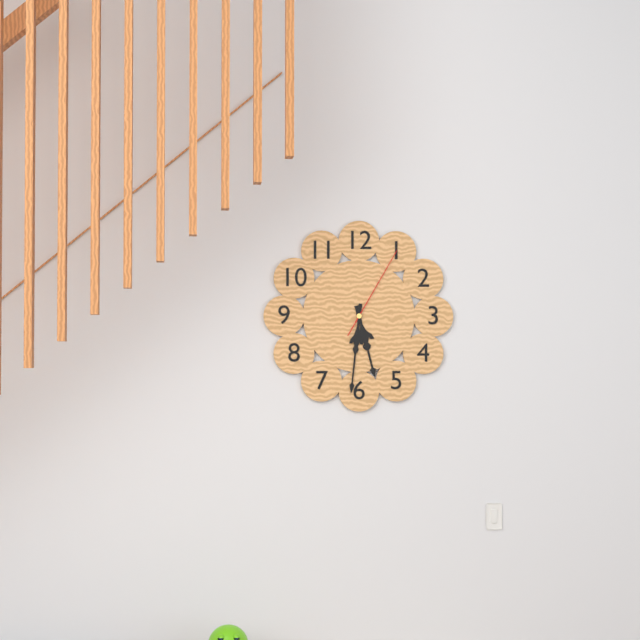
**5:31:05**
